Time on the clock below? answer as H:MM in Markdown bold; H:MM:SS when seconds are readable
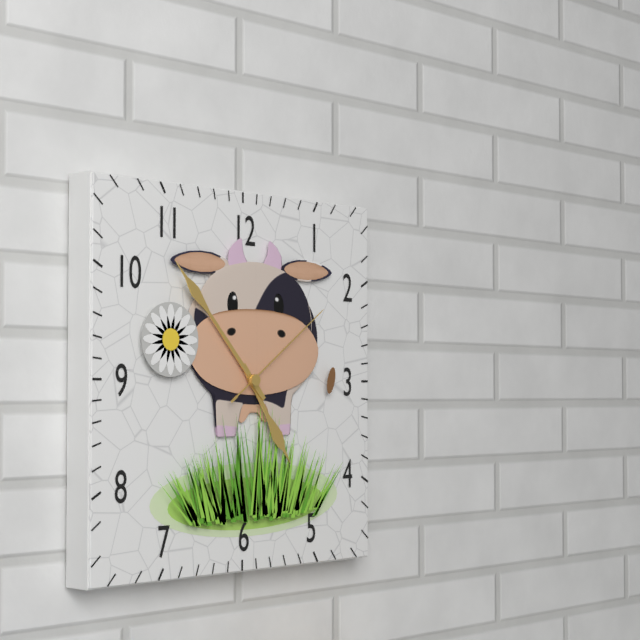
**4:53:09**
